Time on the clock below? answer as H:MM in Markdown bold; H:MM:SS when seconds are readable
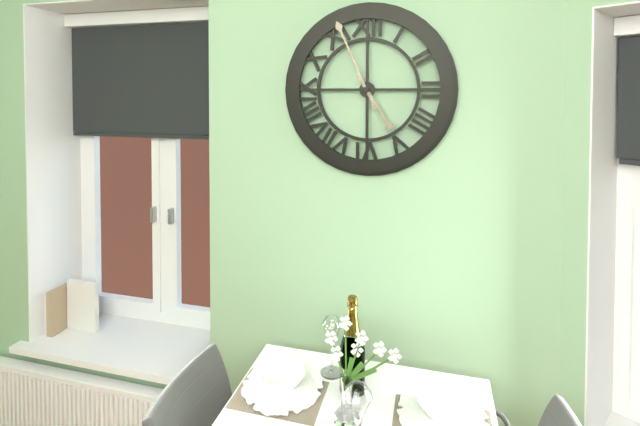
**4:56**
